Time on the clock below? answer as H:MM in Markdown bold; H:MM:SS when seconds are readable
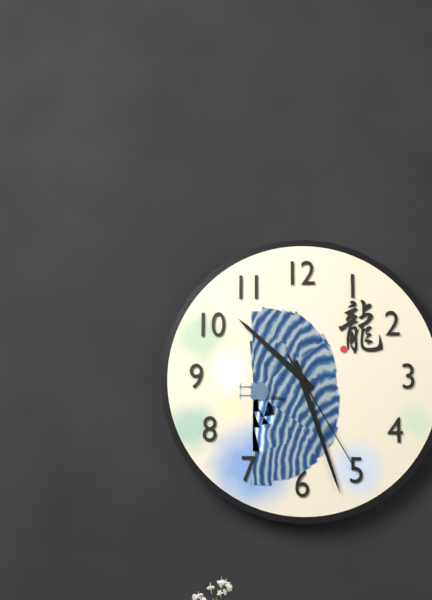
**10:27:25**
